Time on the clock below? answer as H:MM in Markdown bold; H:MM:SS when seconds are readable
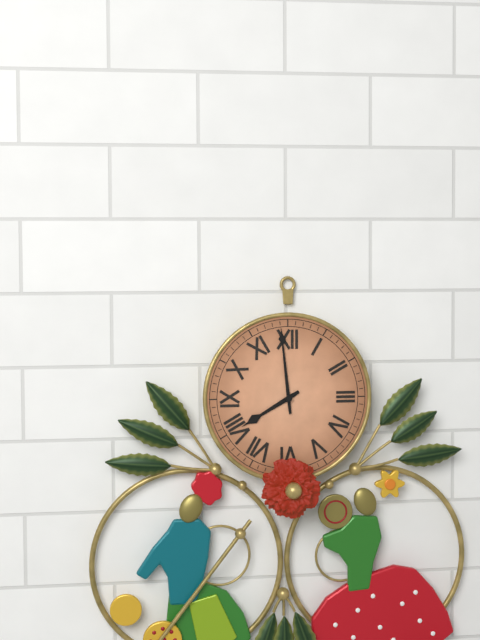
**7:59**
